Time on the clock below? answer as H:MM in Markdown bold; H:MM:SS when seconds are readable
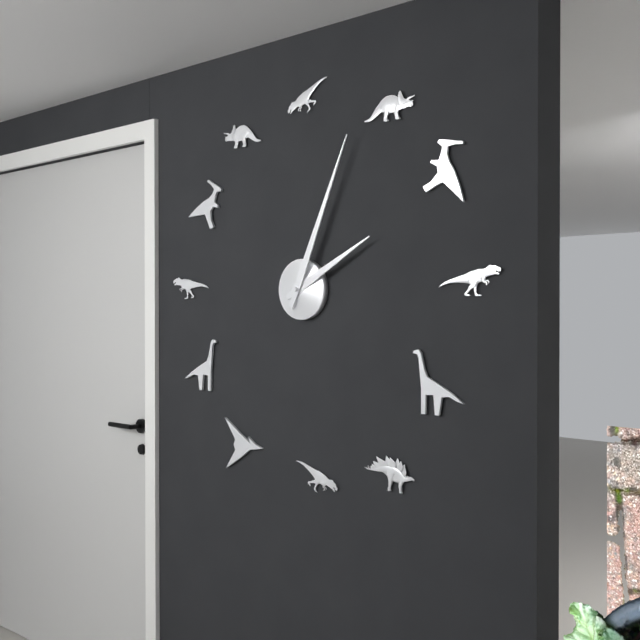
**2:04**
